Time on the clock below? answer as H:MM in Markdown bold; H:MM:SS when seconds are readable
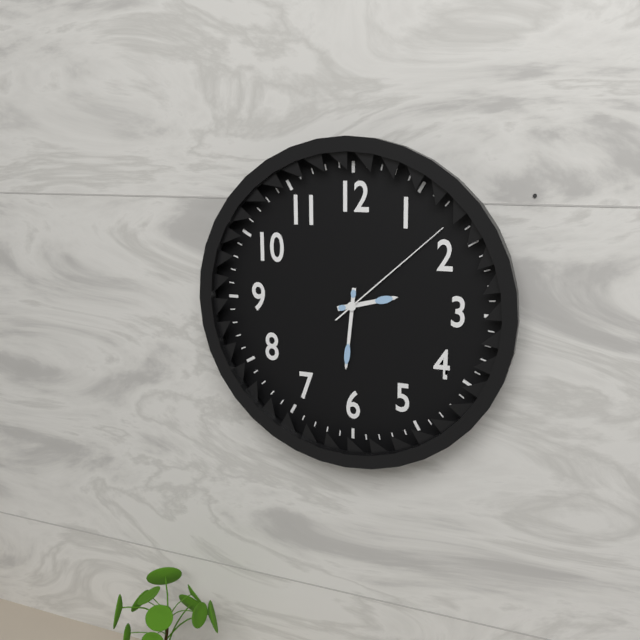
**2:31:08**
